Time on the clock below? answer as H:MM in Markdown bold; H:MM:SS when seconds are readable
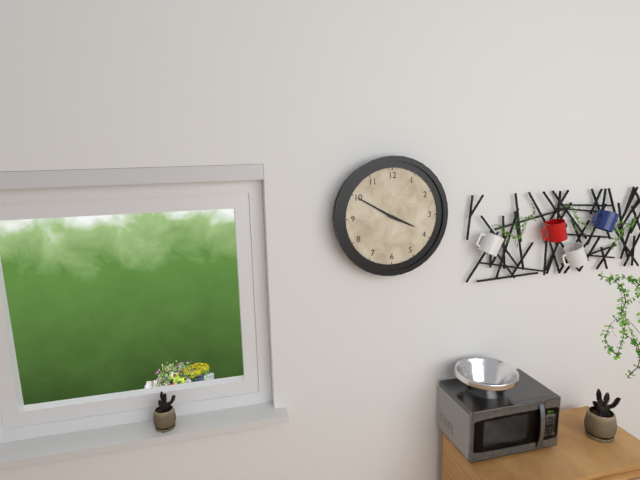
**3:50**
